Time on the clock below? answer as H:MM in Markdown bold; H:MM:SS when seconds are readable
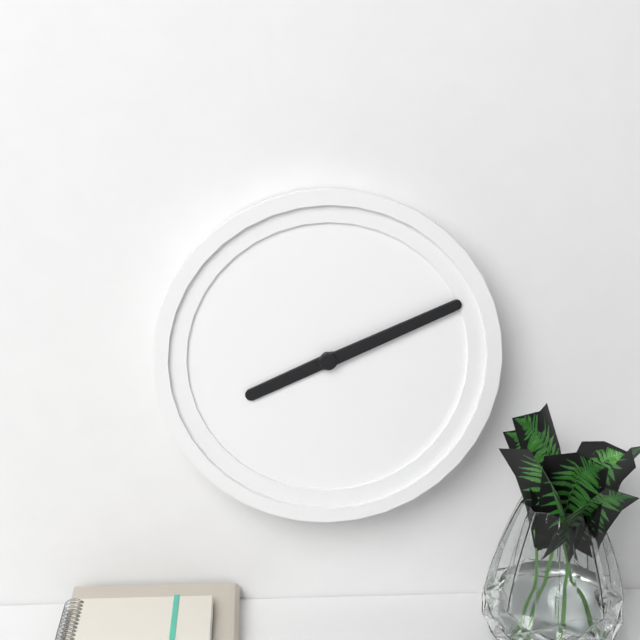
**8:11**
